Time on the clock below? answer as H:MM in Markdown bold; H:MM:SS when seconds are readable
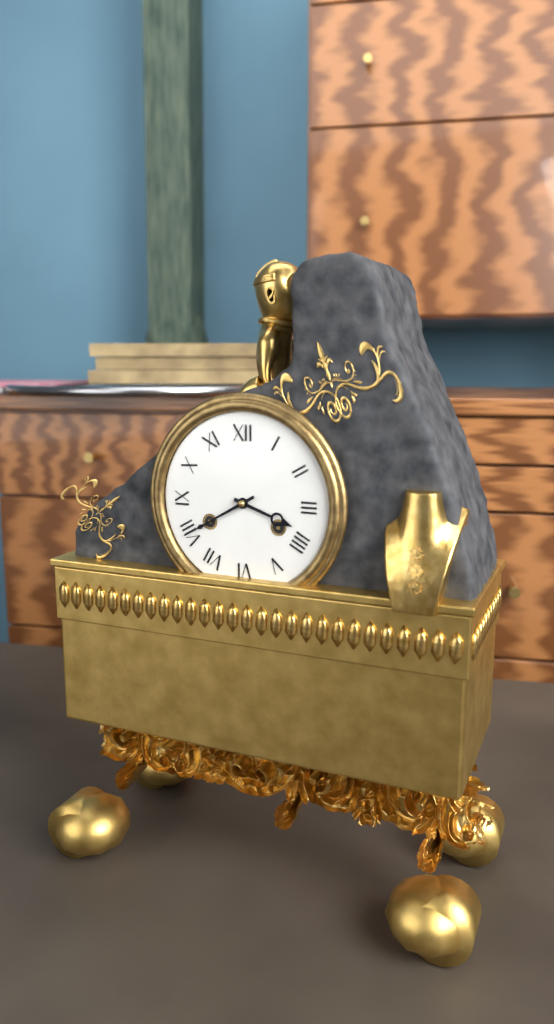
**3:40**
